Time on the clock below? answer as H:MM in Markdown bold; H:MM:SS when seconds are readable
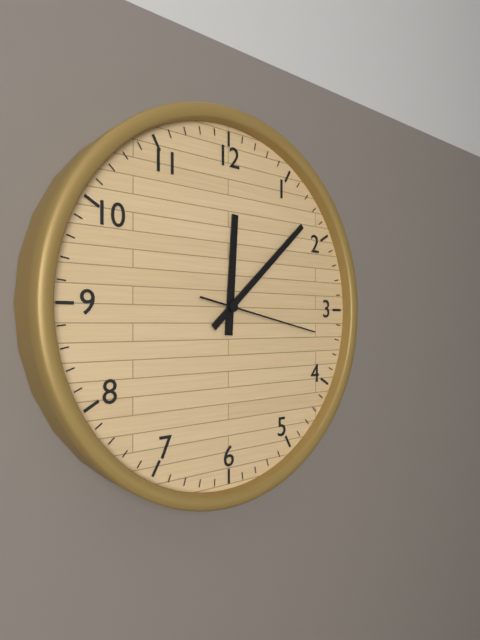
**12:08:17**
